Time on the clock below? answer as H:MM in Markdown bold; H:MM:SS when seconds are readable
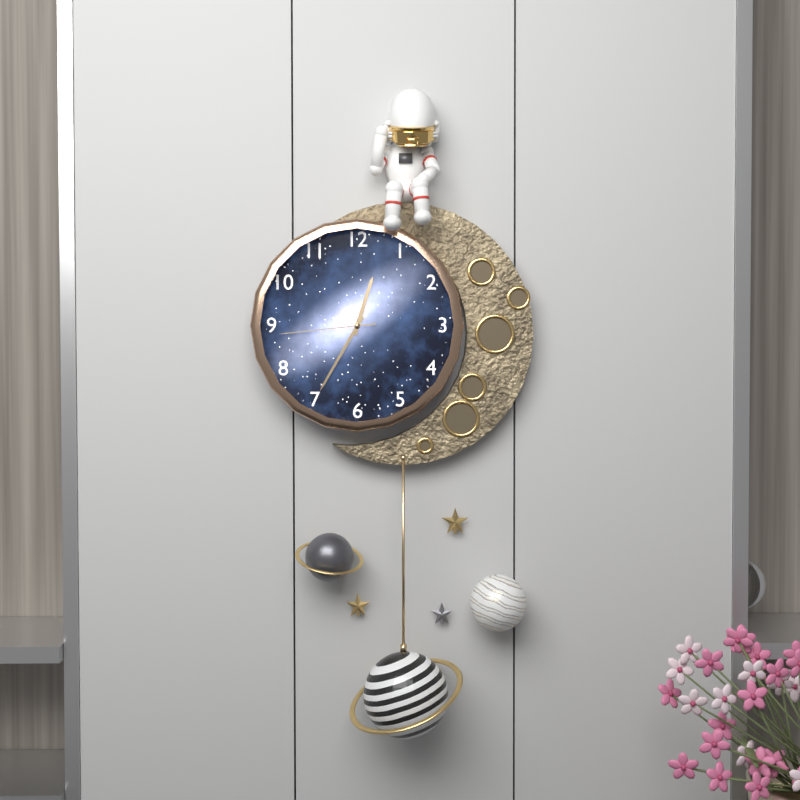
**12:35:44**
